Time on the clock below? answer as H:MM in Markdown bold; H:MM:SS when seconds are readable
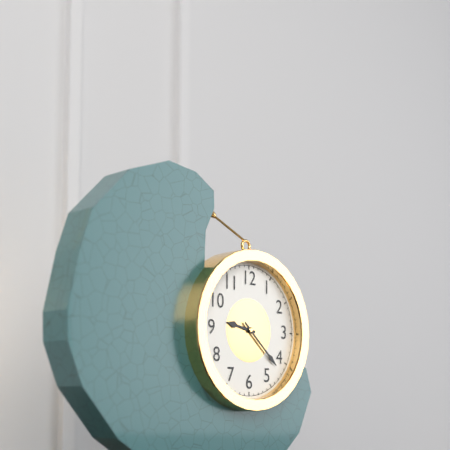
**9:22**
